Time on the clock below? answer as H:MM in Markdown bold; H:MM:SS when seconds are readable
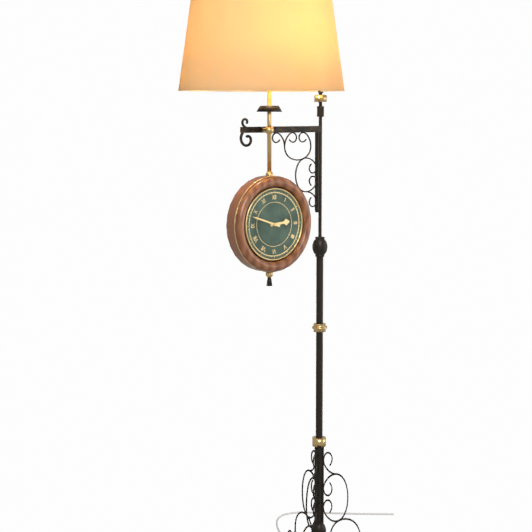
**2:48**
